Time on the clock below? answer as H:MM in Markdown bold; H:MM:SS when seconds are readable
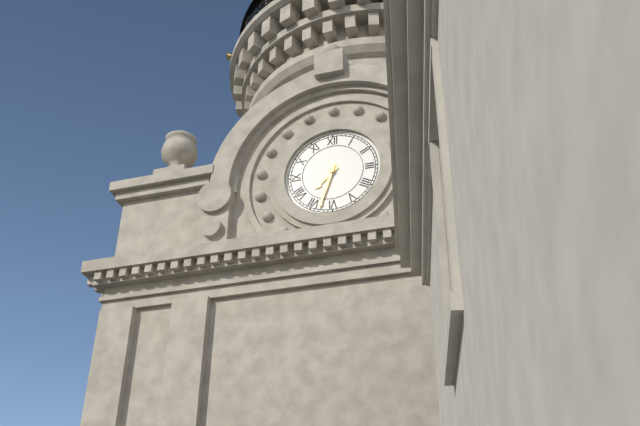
**7:33**
